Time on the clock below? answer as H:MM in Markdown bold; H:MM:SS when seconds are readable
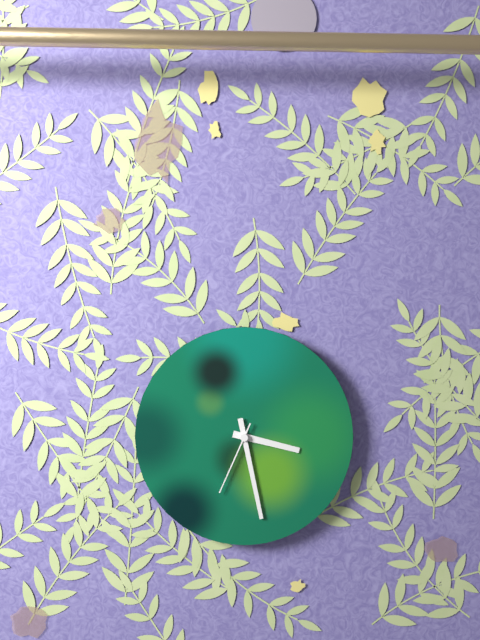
**3:28:34**
